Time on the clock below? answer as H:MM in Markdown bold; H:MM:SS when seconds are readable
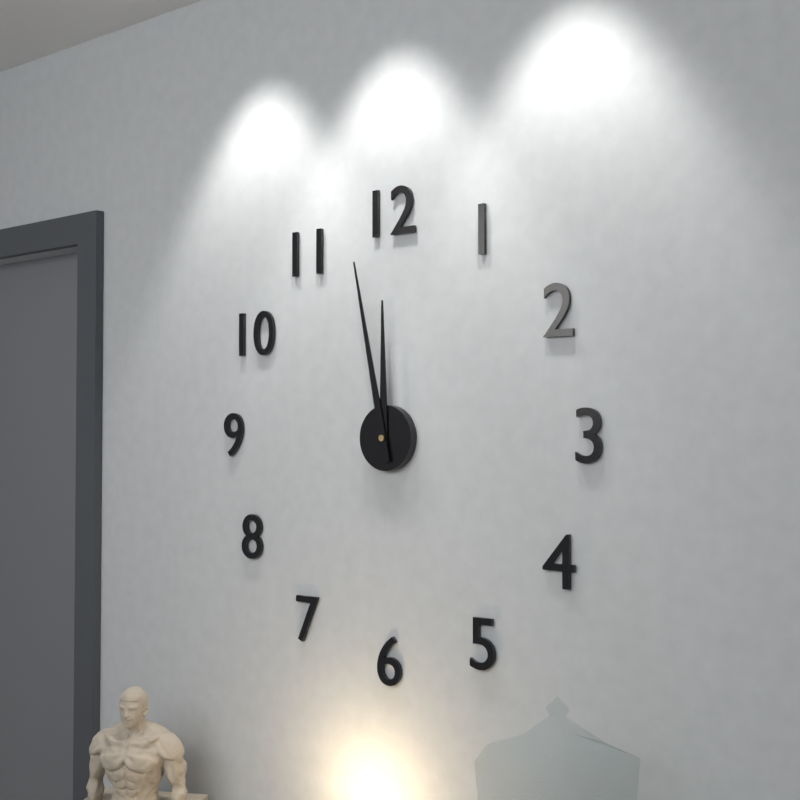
**11:58**
